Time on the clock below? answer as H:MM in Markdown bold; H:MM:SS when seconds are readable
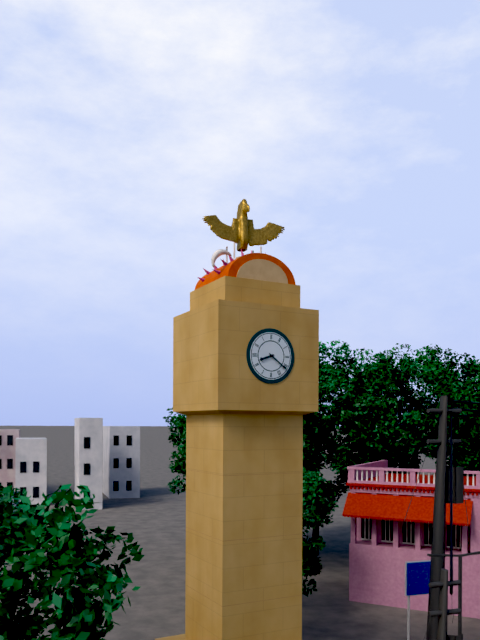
**8:21**
